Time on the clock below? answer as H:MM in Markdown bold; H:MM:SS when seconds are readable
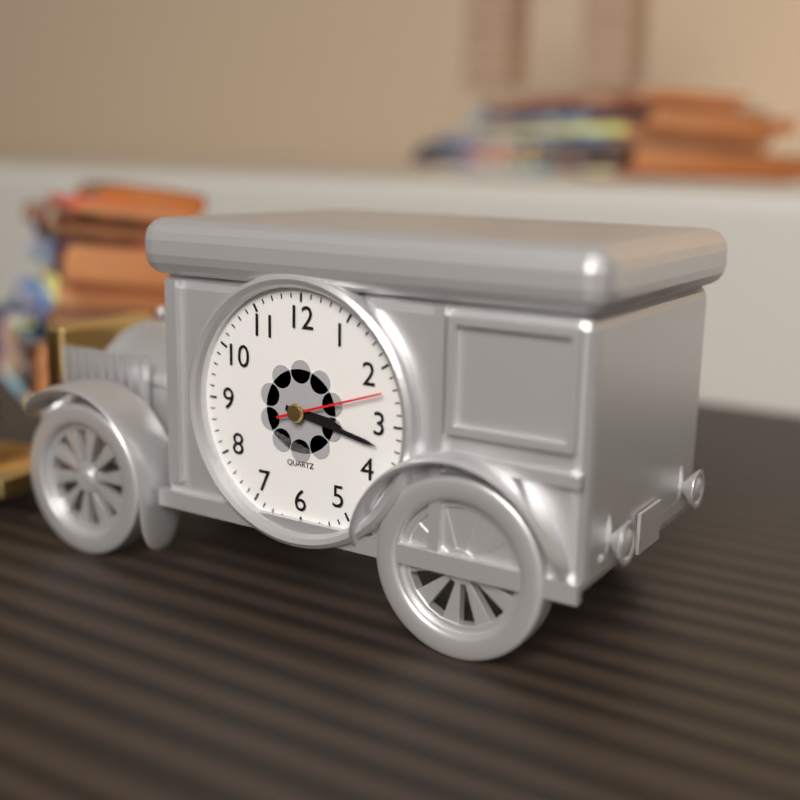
**3:17:12**
